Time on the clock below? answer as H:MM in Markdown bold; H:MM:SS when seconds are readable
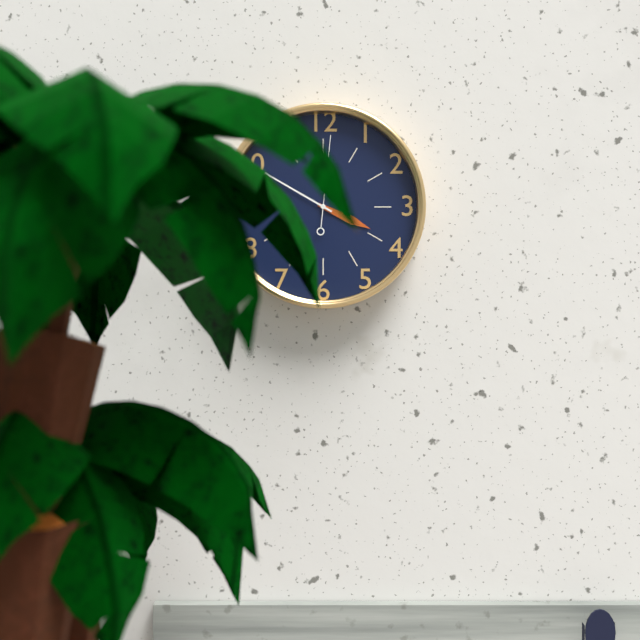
**3:50:01**
